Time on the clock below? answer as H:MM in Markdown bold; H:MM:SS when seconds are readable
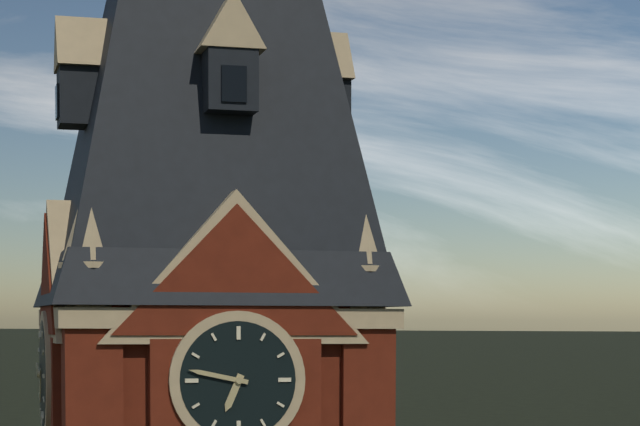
**6:47**
